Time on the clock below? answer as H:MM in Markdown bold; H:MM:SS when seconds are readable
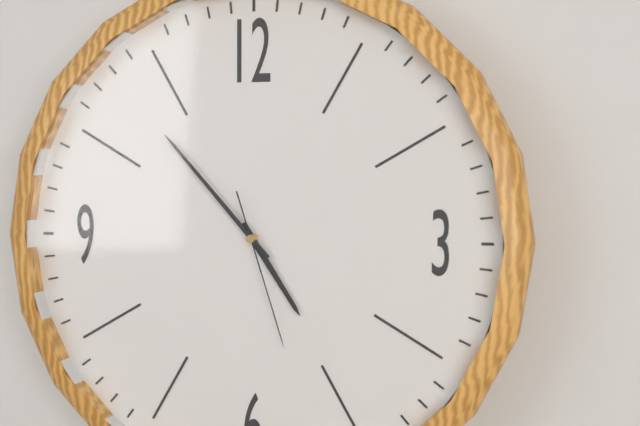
**4:53:27**
